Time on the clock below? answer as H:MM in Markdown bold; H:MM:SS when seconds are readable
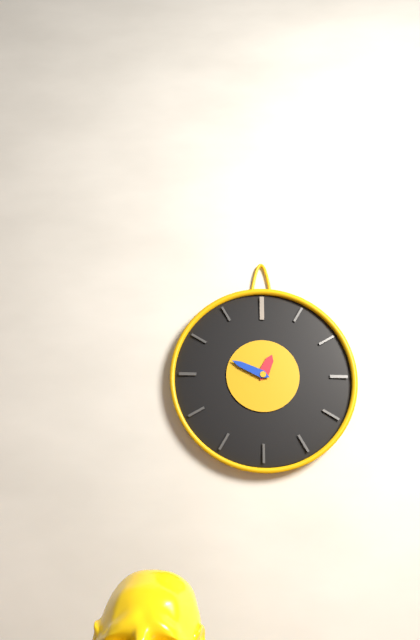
**12:49**
